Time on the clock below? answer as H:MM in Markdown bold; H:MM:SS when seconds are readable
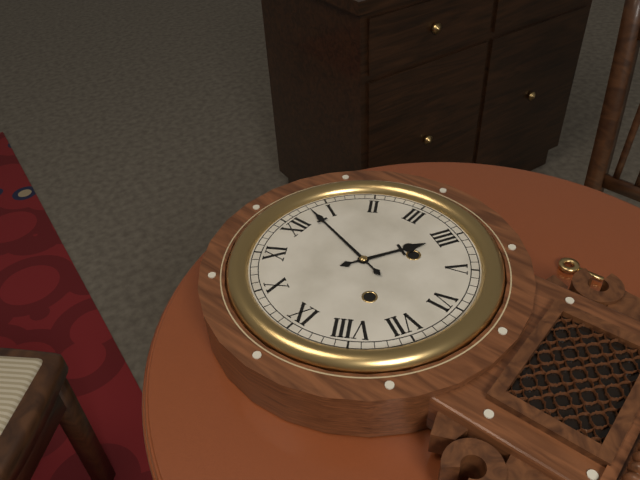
**4:03**
